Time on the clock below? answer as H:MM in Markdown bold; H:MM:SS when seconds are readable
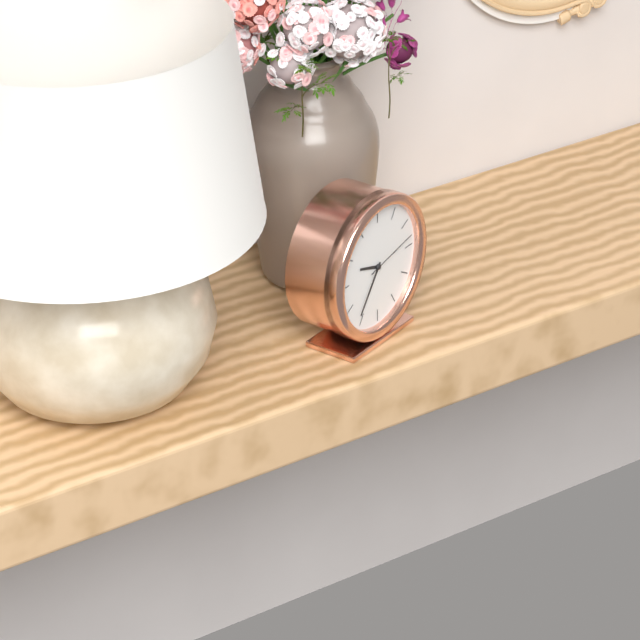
**9:36:13**
